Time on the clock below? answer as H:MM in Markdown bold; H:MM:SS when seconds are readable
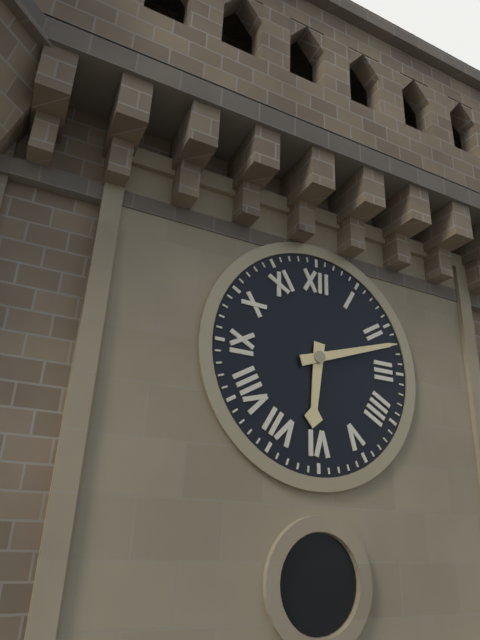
**6:12**
